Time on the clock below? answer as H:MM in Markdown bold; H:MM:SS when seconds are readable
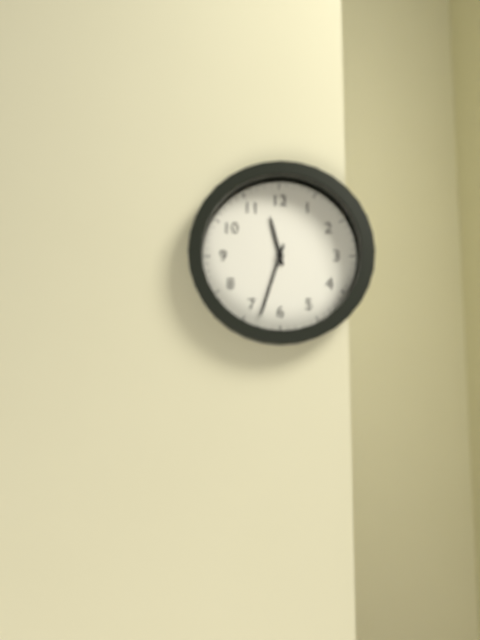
**11:33**
